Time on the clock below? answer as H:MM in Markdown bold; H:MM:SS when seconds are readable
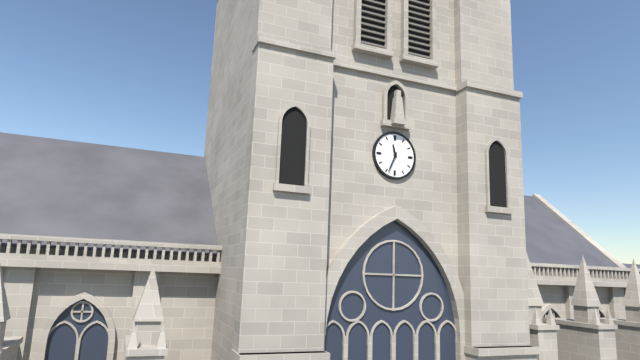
**11:34**
